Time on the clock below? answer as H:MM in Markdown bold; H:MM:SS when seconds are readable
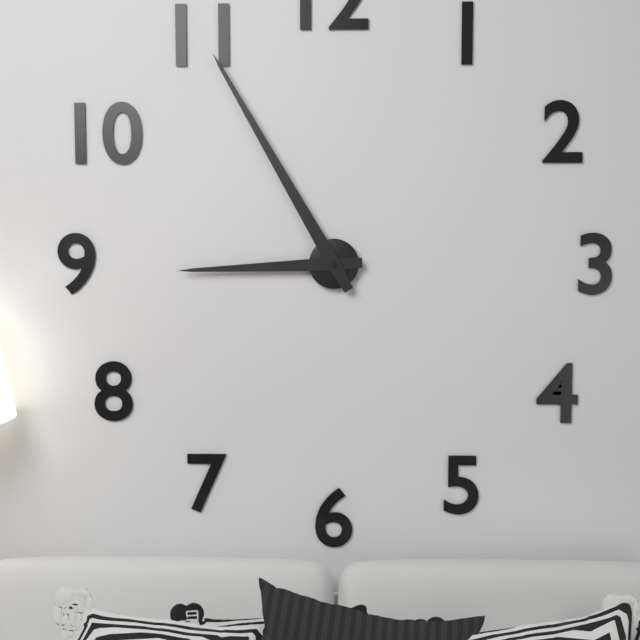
**8:55**
